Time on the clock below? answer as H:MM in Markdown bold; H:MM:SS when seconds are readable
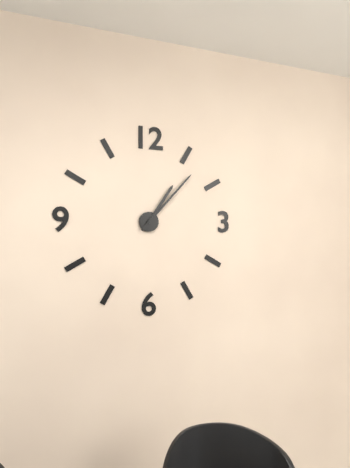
**1:07**
